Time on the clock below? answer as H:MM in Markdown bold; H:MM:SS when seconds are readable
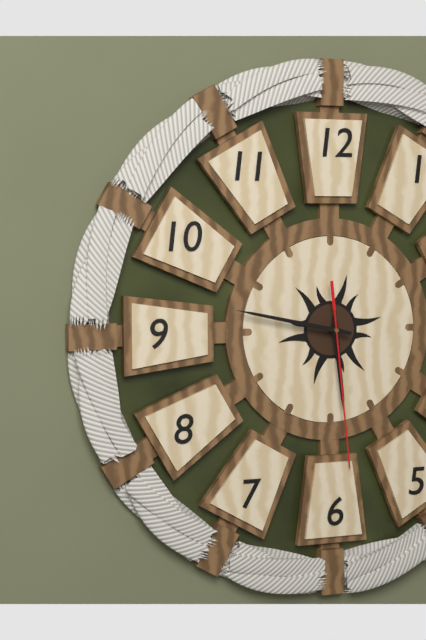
**5:47:29**
